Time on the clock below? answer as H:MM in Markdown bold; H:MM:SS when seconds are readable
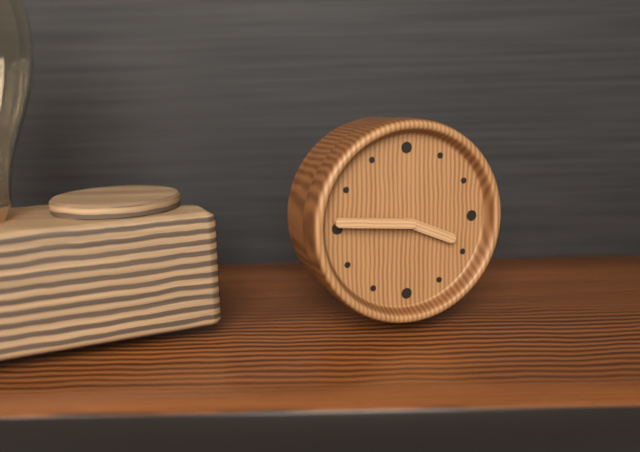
**3:46**
